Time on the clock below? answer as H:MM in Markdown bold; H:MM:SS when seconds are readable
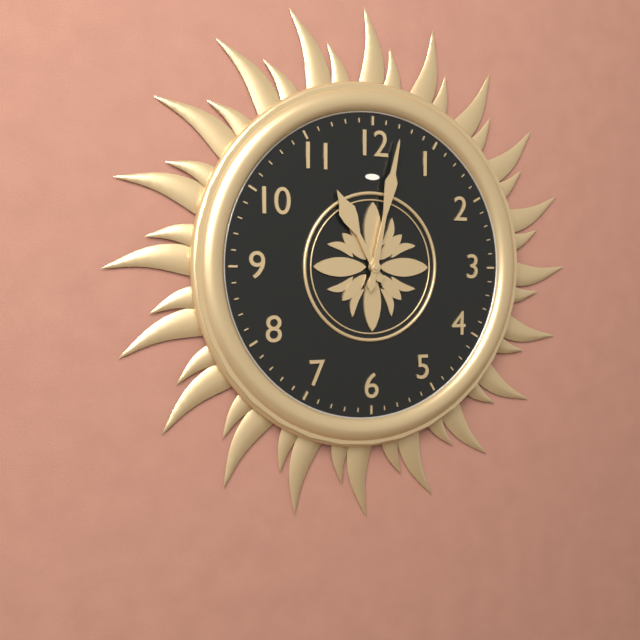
**11:02**
